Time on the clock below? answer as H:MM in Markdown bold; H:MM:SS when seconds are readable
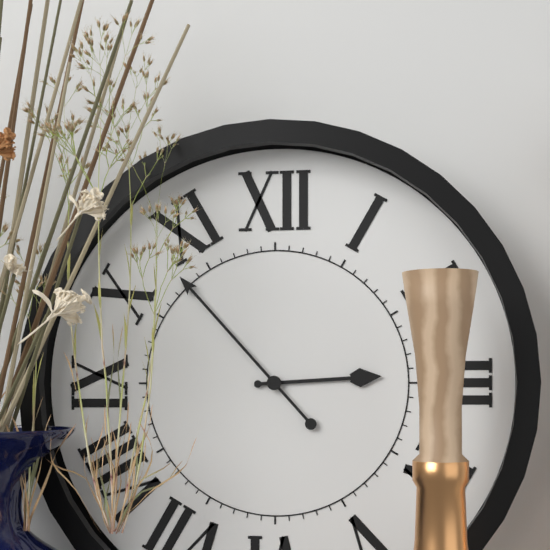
**2:53**
